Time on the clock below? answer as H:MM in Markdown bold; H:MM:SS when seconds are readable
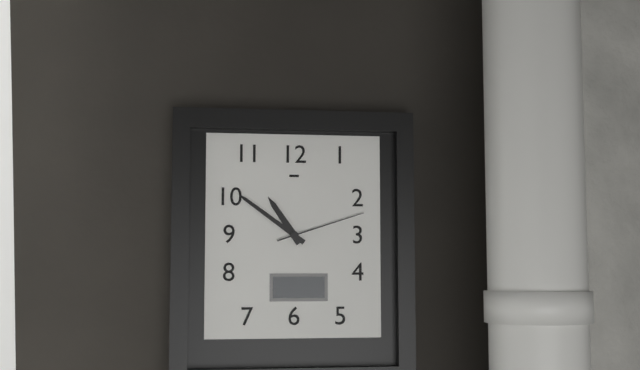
**10:51:12**
